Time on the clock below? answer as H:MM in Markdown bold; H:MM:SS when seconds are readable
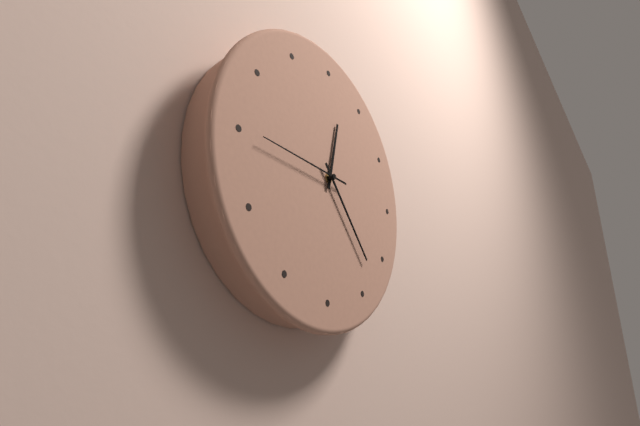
**12:23:45**
